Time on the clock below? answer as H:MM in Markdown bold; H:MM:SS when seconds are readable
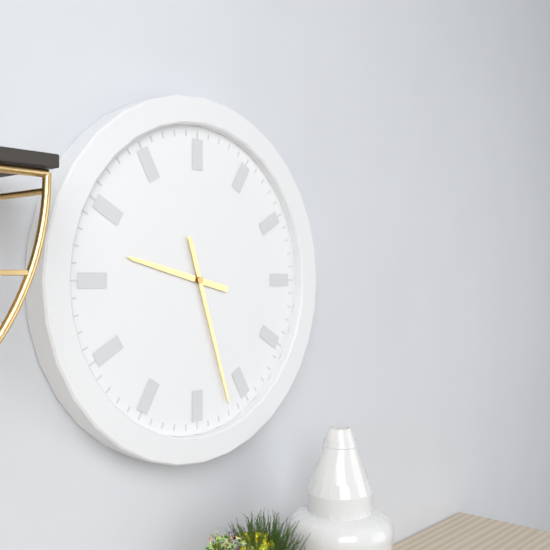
**9:27**
